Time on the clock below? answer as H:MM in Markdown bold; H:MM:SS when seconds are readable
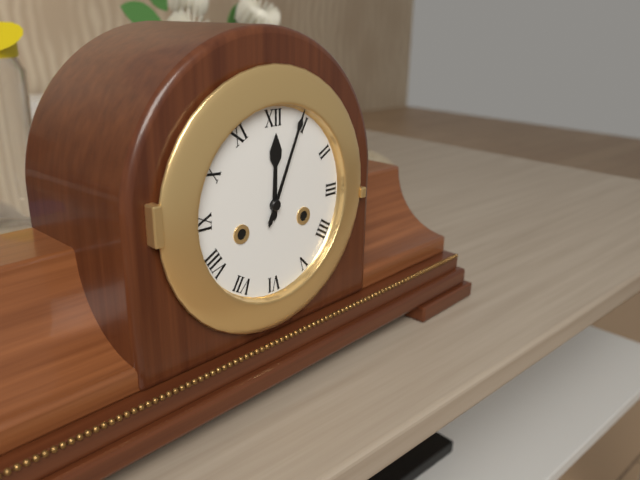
**12:04**
